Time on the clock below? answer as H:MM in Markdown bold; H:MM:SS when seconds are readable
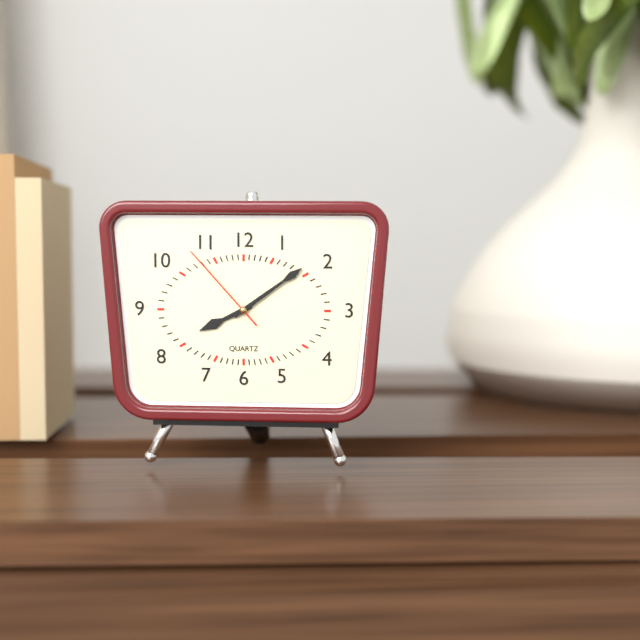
**8:09:53**
